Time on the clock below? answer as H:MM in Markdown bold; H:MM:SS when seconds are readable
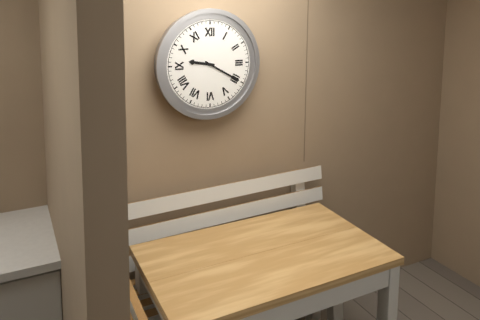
**9:20**
